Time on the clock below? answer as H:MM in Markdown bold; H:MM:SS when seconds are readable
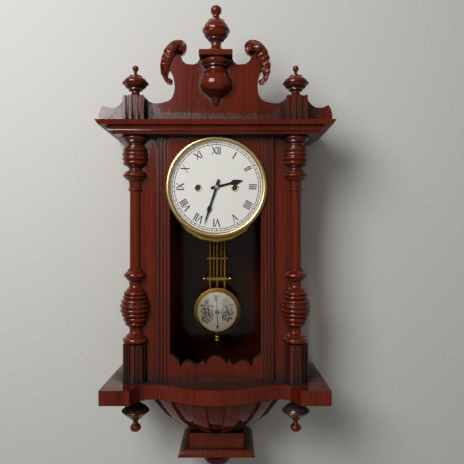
**2:33**
